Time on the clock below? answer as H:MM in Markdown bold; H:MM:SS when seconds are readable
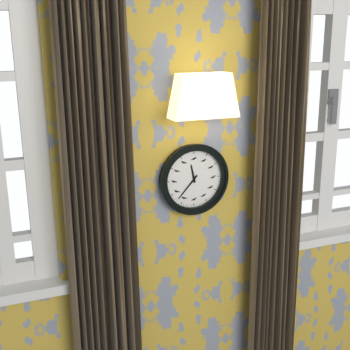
**11:37**
